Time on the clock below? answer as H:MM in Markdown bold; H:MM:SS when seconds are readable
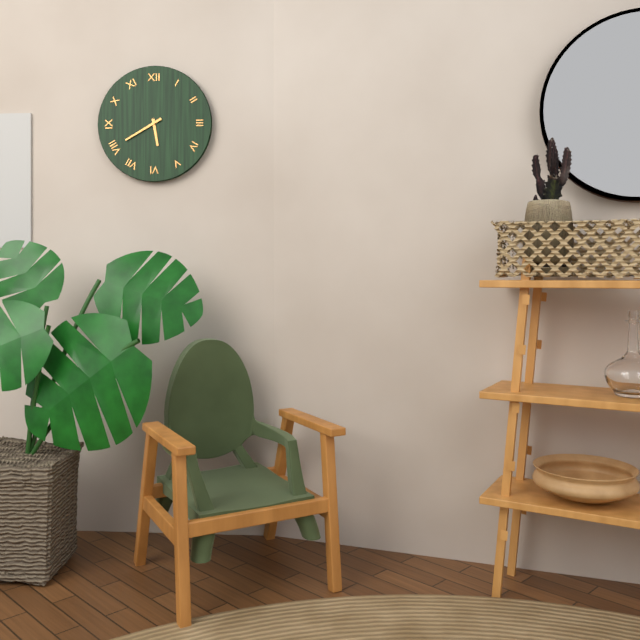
**5:40**
